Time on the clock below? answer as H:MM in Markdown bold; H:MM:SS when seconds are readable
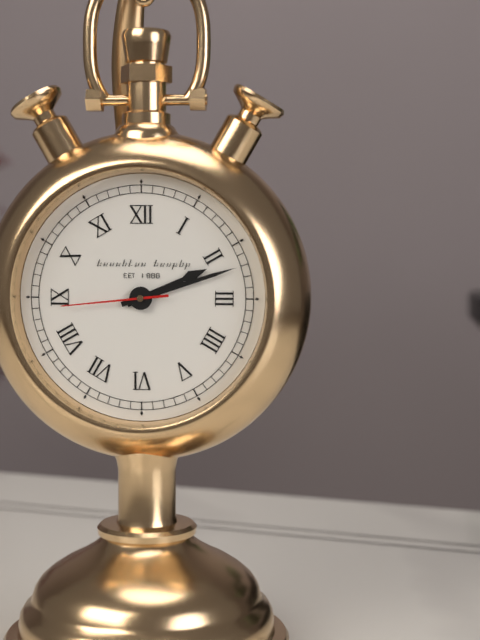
**2:12:44**
